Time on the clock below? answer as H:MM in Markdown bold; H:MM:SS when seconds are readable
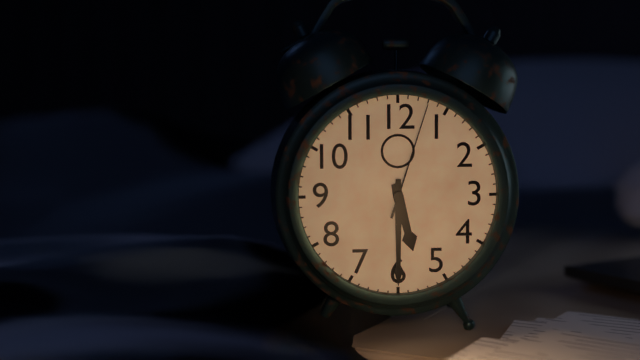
**5:30:03**
